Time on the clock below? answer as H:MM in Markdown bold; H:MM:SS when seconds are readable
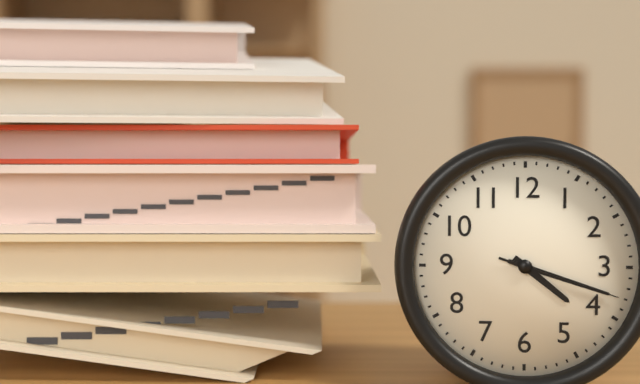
**4:18:18**
